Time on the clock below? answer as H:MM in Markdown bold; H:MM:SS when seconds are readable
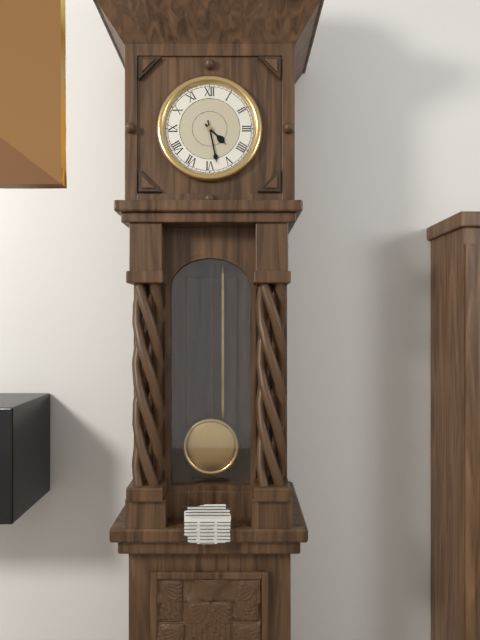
**4:28**
